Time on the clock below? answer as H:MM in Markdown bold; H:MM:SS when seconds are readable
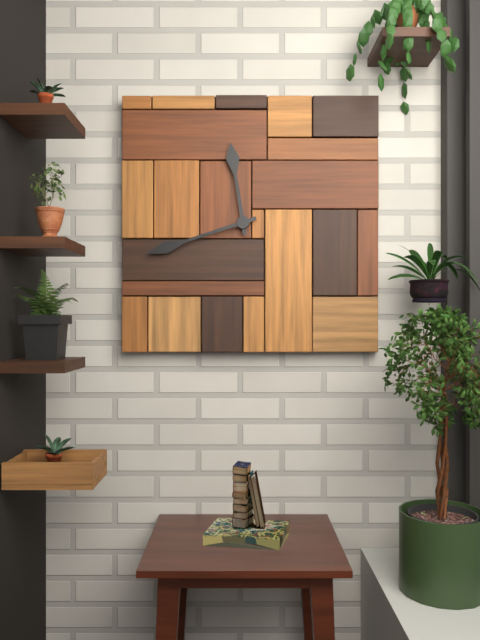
**11:42**
